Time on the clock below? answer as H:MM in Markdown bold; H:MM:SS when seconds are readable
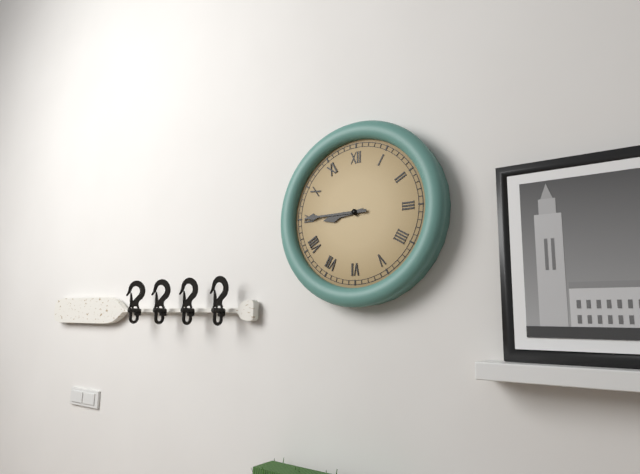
**8:45**
